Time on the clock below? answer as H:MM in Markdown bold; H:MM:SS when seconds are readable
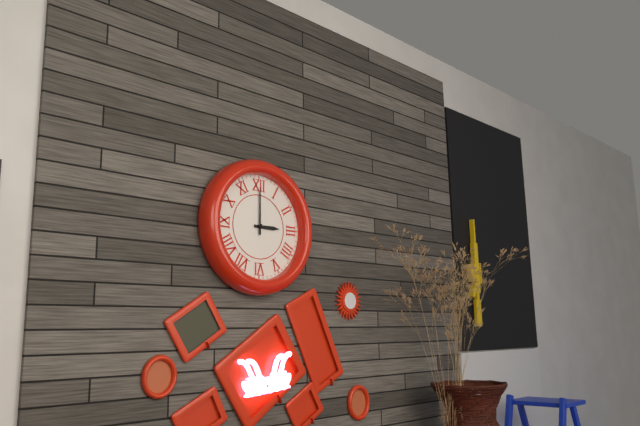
**3:00**
